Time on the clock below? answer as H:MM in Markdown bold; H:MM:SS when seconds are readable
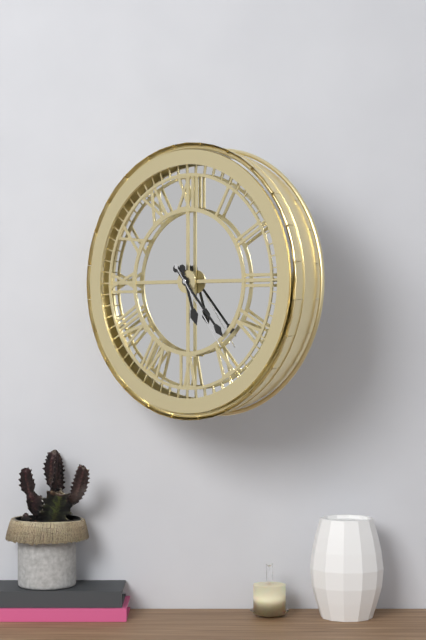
**5:23:24**
